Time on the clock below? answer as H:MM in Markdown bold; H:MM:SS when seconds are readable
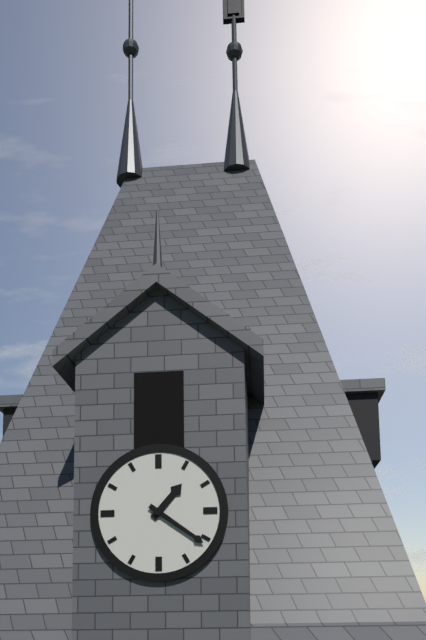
**1:21**
